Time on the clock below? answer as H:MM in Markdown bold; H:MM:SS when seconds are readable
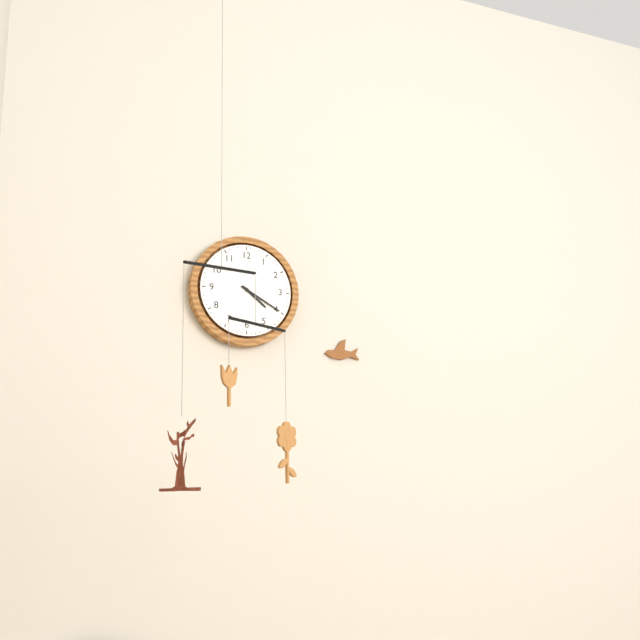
**4:20**
